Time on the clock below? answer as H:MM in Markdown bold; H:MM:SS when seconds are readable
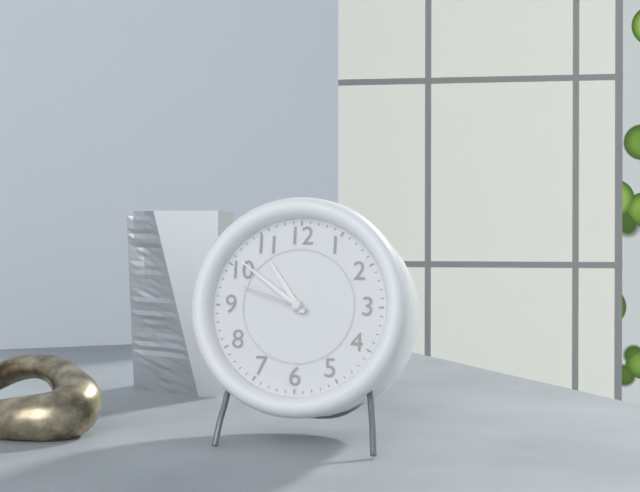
**10:51:48**
